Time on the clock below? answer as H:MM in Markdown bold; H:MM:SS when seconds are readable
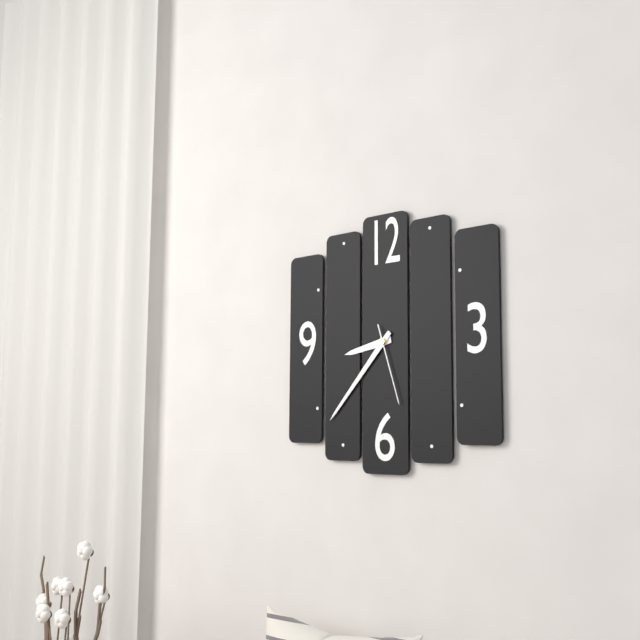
**8:37:27**
